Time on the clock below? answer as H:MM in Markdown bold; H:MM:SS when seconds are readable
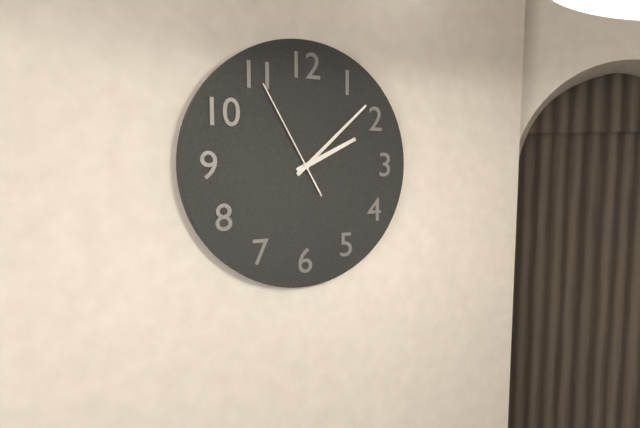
**2:08:55**
